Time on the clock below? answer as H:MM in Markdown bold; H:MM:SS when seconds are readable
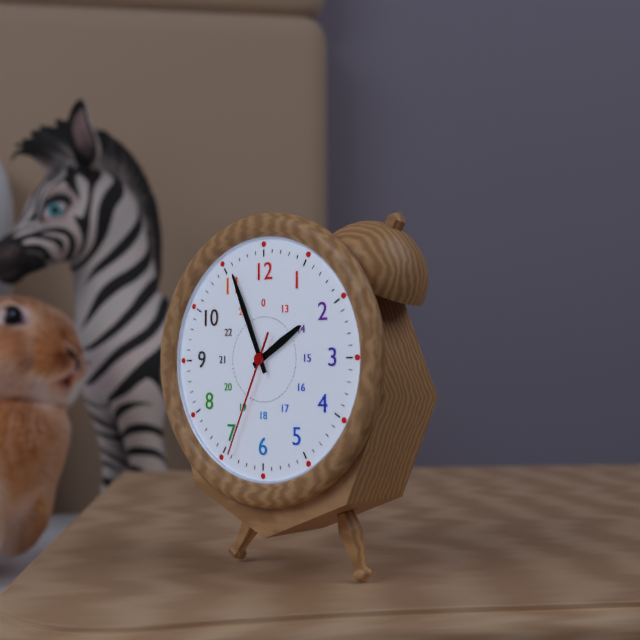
**1:56:34**
